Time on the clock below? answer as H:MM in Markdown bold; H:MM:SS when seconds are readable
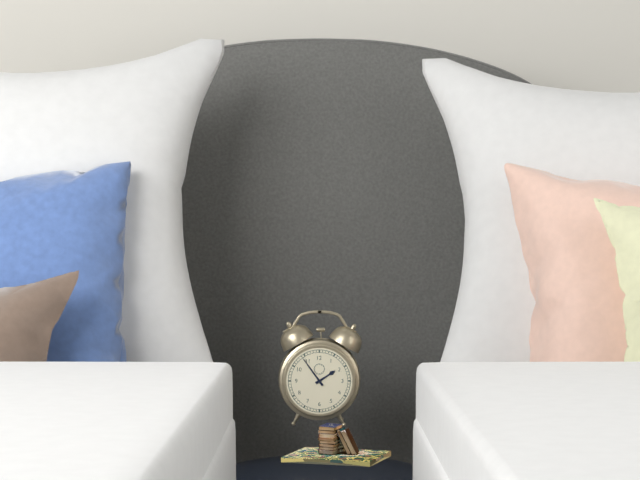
**1:54**
